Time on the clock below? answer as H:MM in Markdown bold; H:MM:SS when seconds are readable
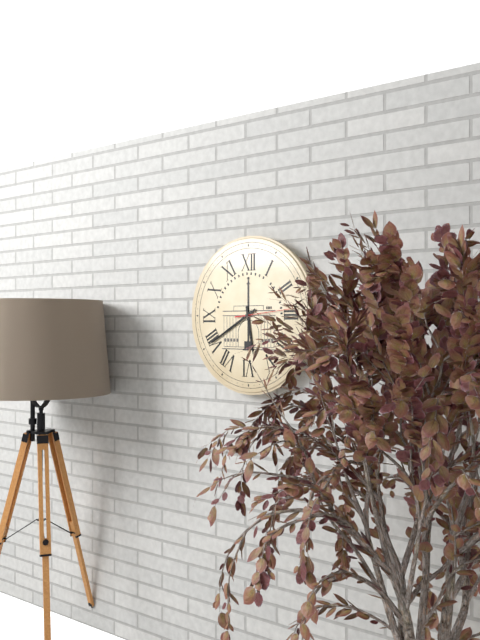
**5:40**
